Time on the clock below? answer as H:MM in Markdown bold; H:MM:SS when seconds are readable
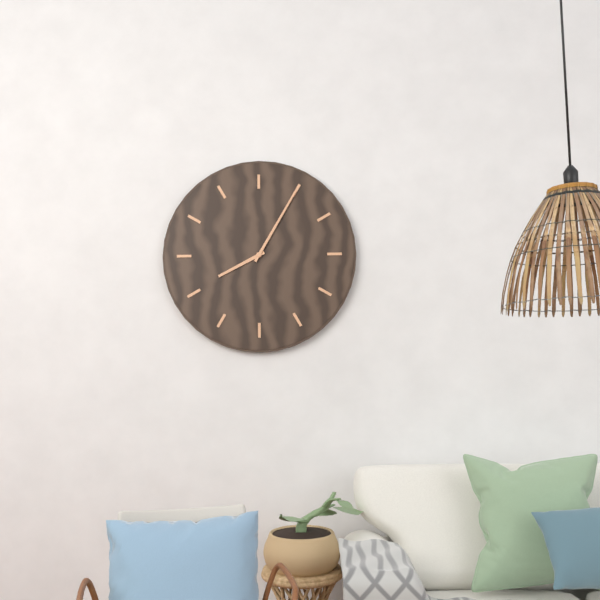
**8:05**
